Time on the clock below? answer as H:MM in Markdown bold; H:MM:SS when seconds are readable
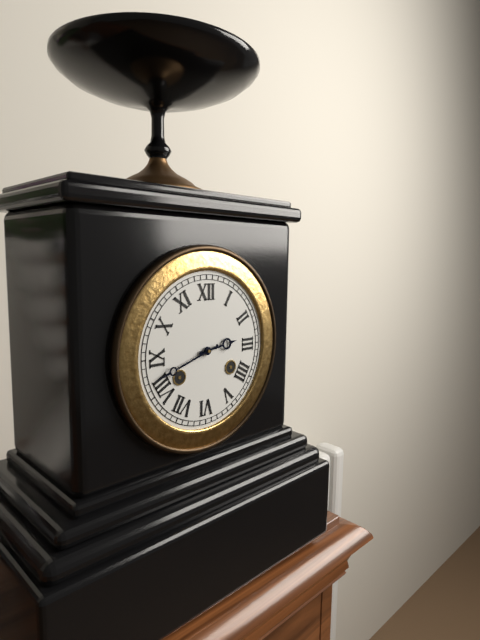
**2:42**
